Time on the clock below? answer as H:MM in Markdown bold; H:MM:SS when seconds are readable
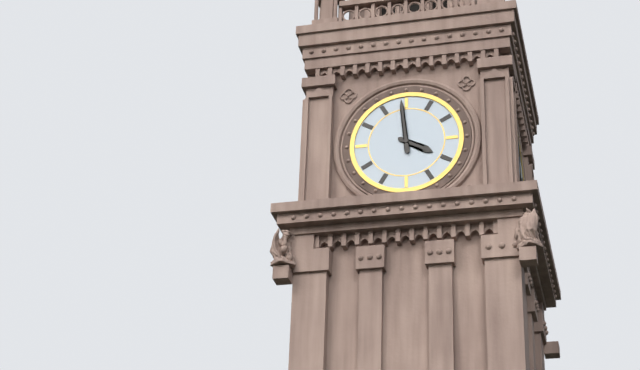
**3:59**
